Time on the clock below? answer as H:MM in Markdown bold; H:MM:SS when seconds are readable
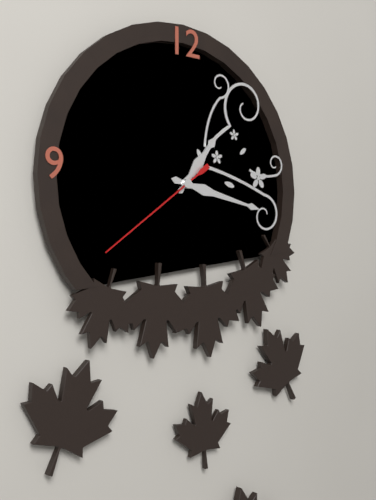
**1:17:39**
